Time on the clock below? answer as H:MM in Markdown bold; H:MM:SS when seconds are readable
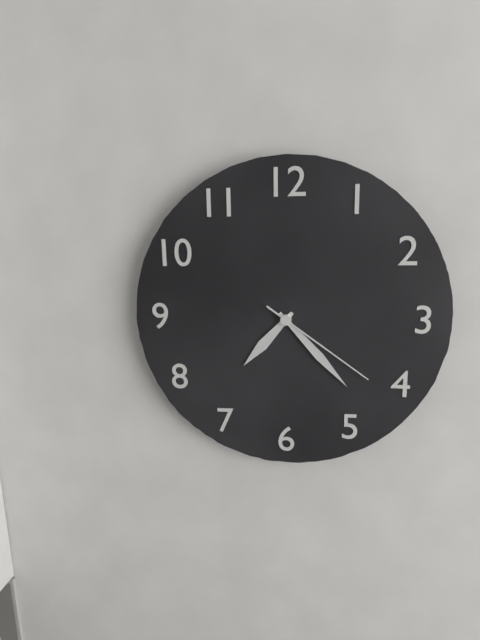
**7:23:21**
